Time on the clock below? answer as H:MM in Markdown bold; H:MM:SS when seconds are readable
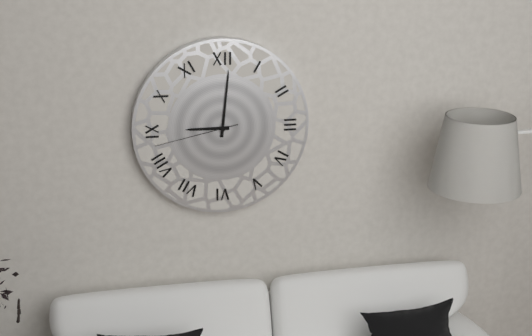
**9:01:43**
